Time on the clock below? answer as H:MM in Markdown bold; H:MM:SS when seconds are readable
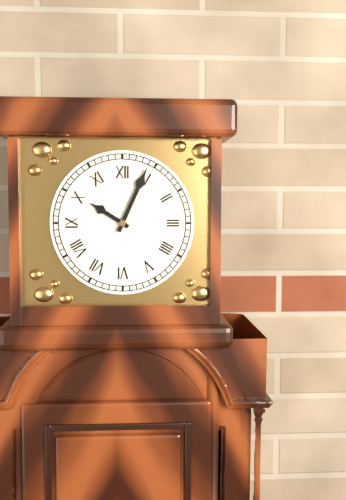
**10:04**
